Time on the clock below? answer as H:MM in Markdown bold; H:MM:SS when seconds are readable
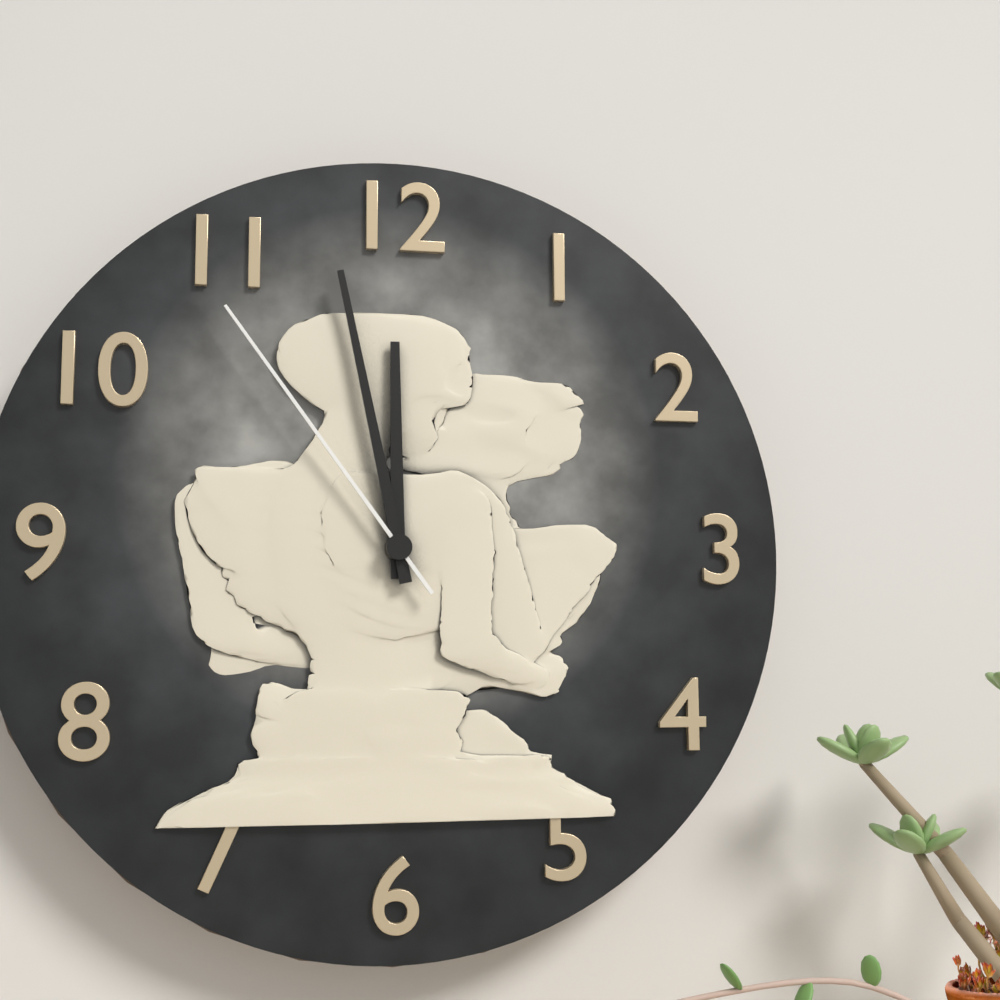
**11:58:54**
